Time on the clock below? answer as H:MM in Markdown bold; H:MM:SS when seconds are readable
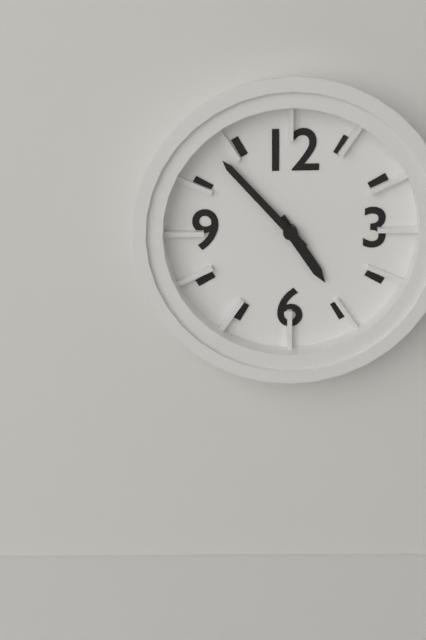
**4:53**
